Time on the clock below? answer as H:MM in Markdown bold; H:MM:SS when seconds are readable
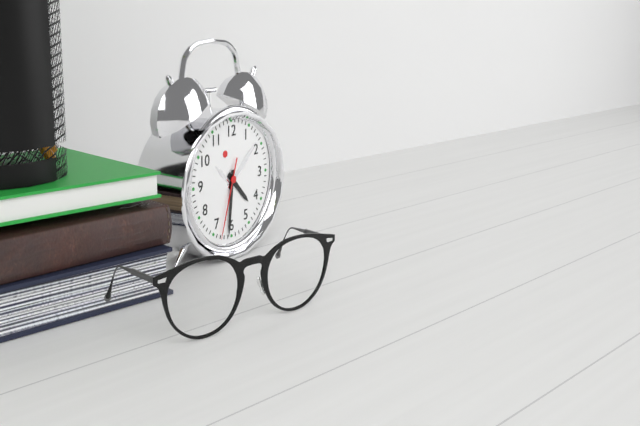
**4:31:33**
